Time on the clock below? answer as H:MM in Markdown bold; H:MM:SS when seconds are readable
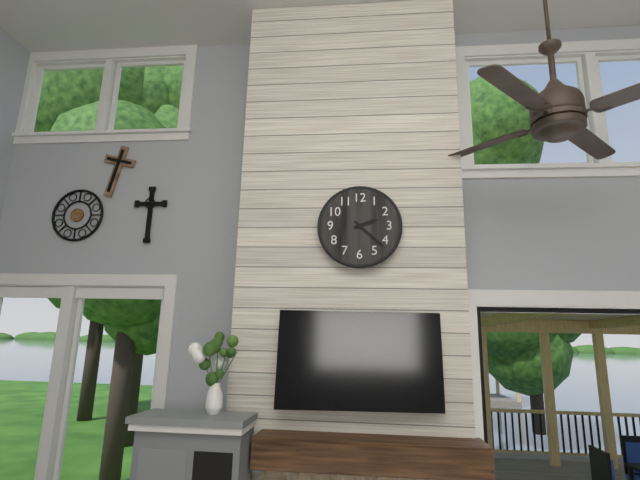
**2:22**
